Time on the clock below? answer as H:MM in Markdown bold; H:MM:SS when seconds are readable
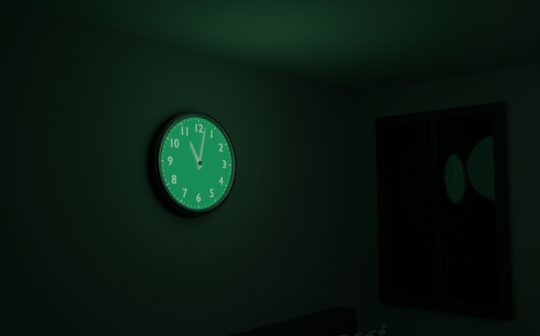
**11:02**
